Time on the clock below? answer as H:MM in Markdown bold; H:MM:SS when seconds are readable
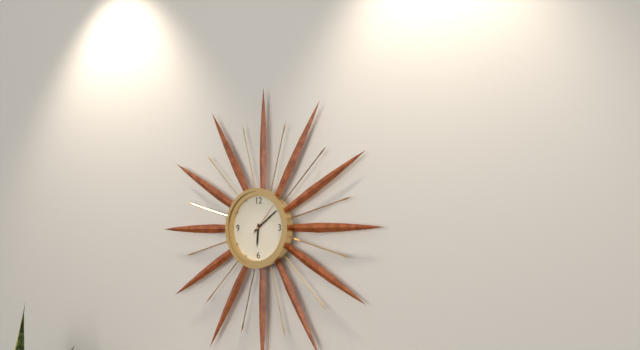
**6:09**
